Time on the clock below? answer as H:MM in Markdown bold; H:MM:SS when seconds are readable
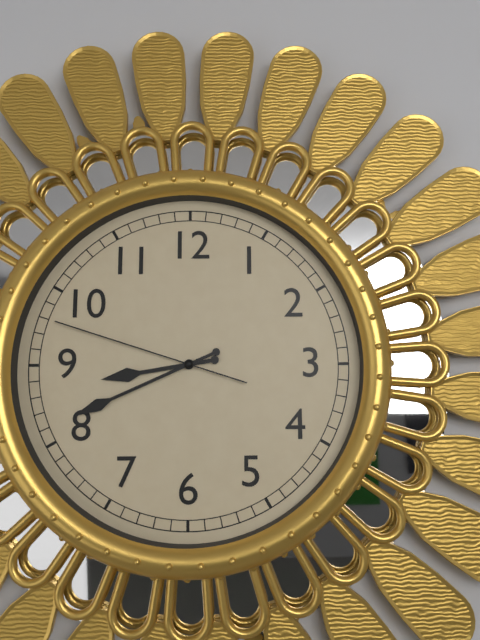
**8:41:48**
